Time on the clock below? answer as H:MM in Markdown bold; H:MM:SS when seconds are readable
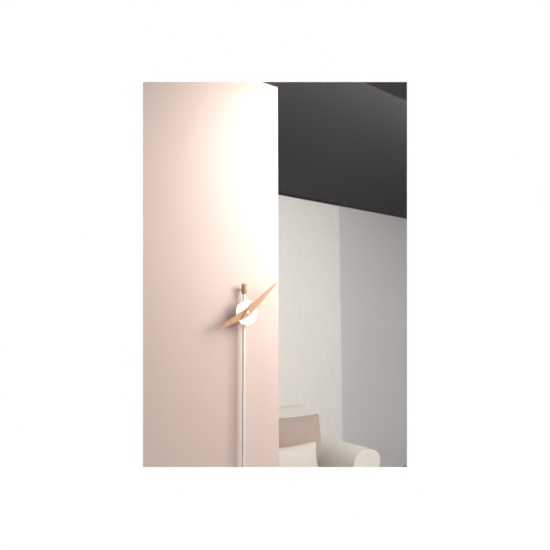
**8:08**
